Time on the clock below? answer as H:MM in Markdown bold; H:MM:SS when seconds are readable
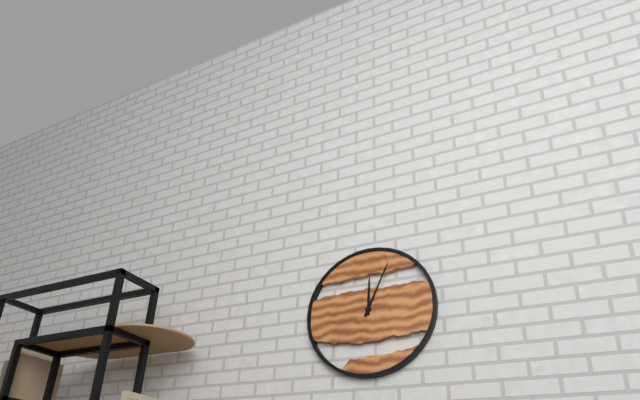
**12:04**
